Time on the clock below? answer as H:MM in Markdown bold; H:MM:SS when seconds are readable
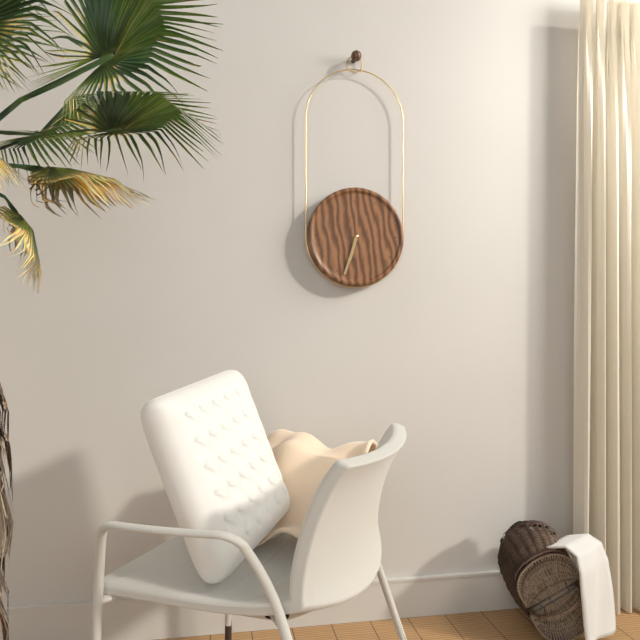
**6:33**
